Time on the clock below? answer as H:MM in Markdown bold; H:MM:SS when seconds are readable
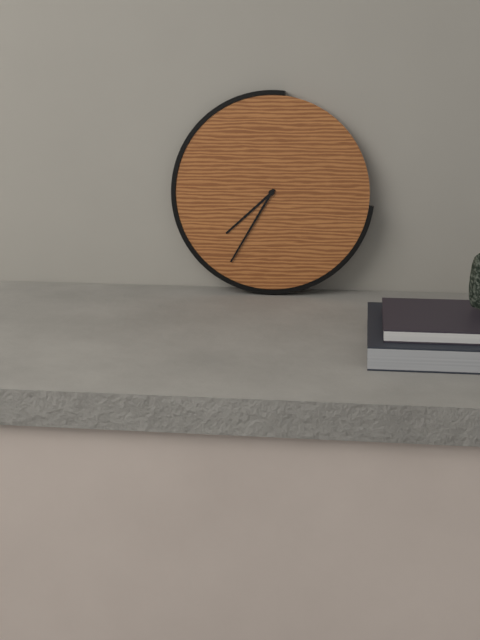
**7:35**
